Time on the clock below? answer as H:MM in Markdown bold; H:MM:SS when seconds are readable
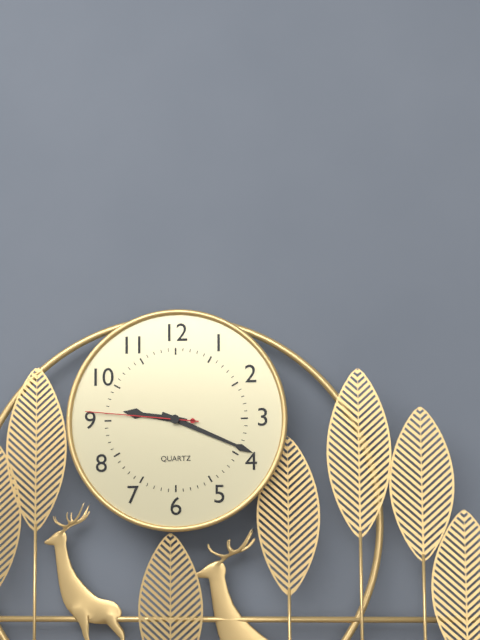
**9:19:46**
